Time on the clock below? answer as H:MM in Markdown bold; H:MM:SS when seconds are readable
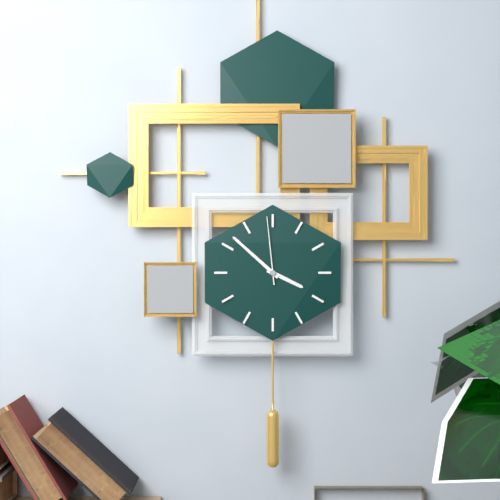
**3:52:59**
